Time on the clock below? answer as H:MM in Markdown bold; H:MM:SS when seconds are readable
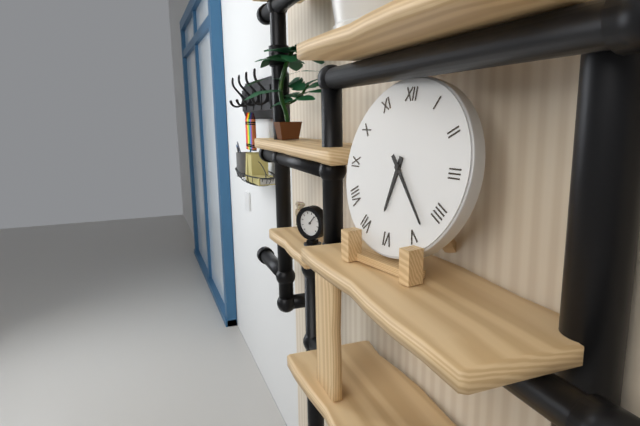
**6:23**
